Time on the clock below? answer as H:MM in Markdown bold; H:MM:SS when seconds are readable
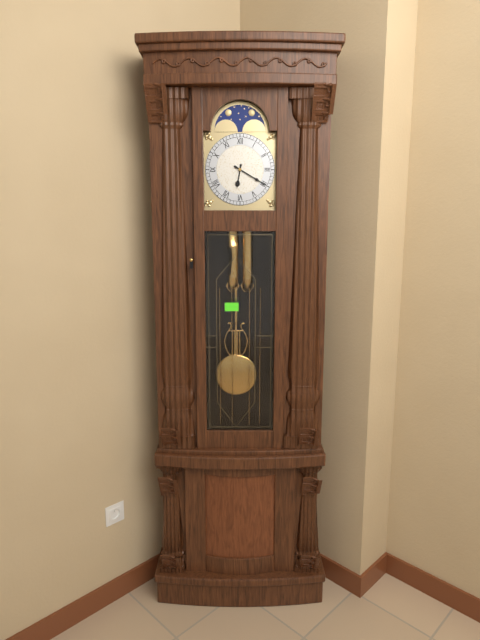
**6:20**
